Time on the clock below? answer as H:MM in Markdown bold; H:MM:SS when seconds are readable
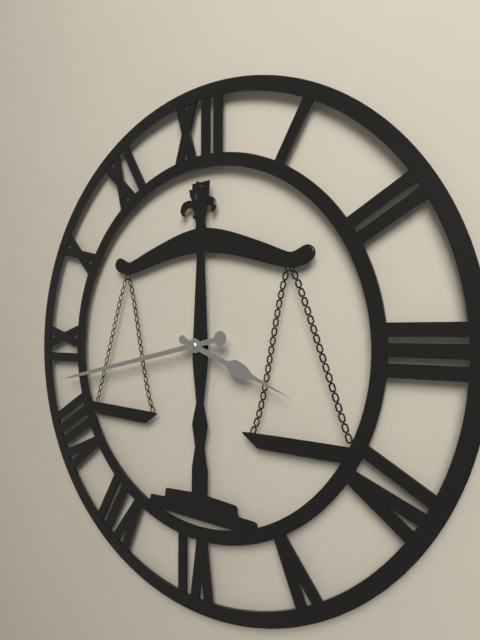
**3:43**
